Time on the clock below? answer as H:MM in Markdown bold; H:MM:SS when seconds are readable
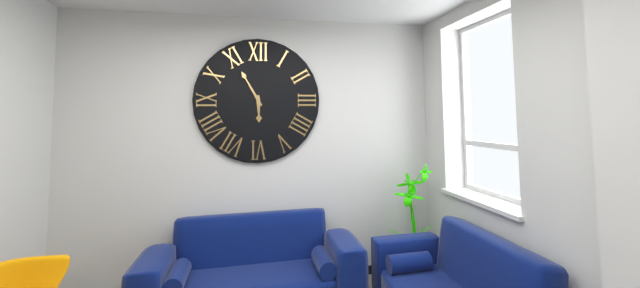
**5:55**
